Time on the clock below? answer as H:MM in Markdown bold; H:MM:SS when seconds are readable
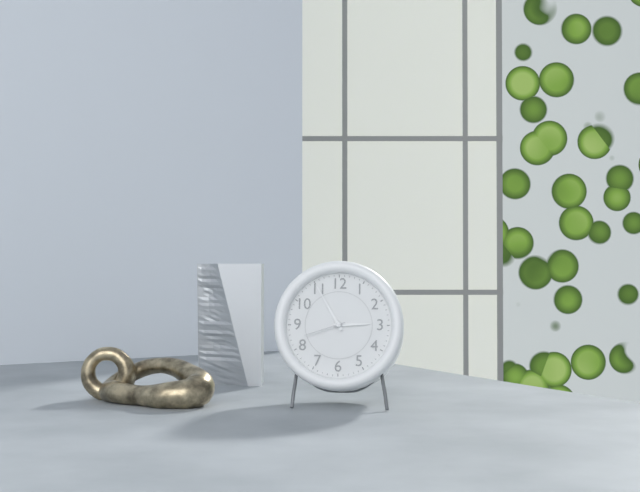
**2:55**
